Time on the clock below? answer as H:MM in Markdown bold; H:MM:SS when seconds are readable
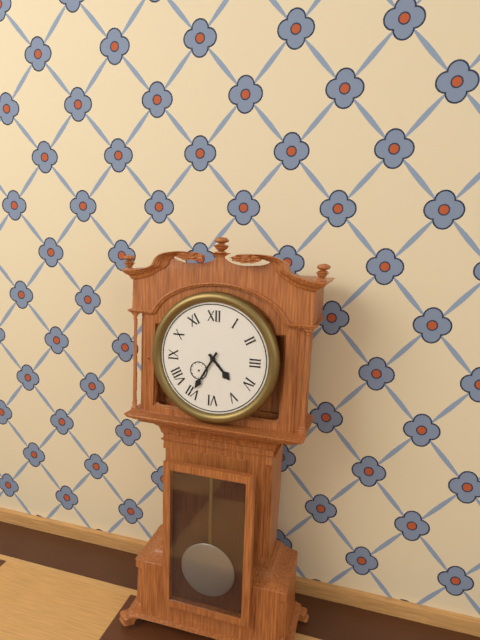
**4:35**
